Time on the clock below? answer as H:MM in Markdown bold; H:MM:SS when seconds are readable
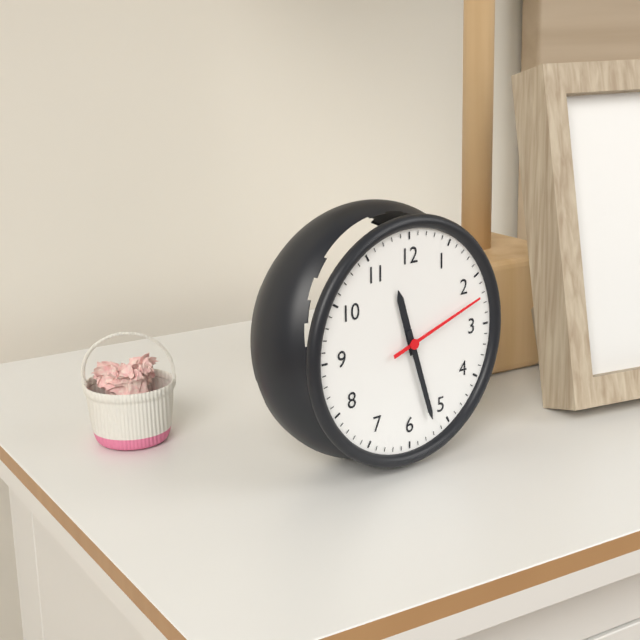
**11:27:12**
